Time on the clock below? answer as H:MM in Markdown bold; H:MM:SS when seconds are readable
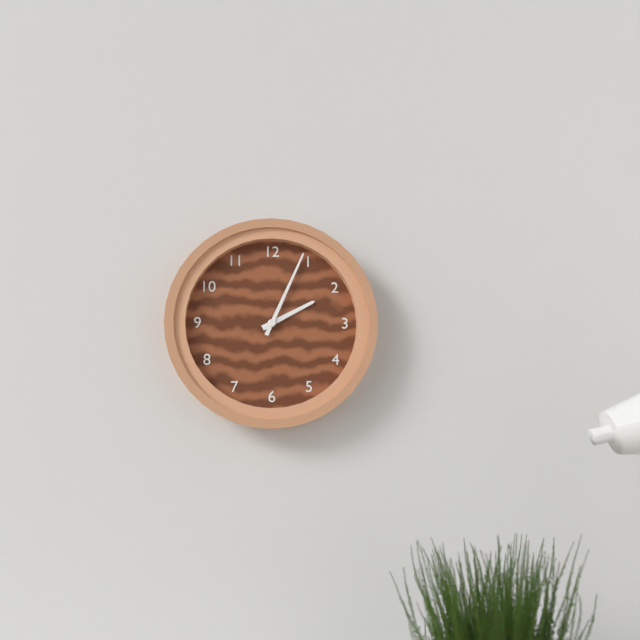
**2:04**
